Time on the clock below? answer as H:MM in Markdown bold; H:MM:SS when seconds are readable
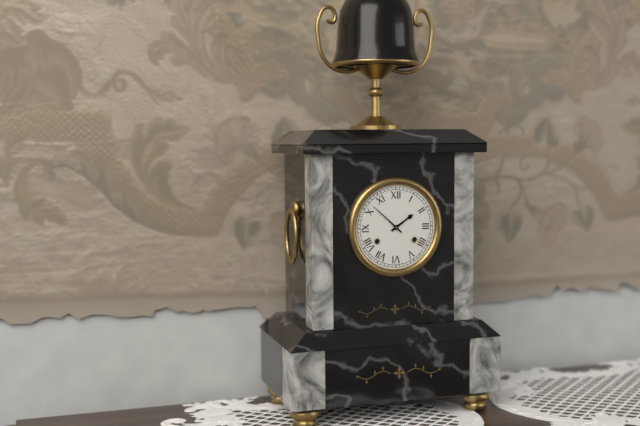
**1:52**
